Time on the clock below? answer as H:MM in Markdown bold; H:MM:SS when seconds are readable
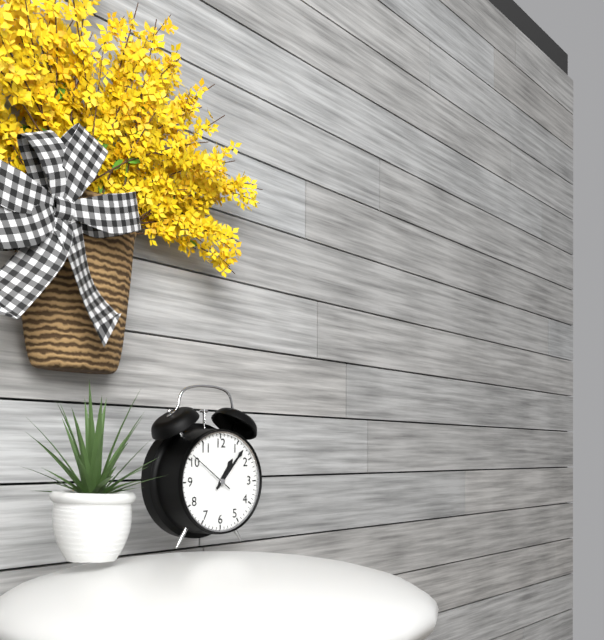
**1:07**
